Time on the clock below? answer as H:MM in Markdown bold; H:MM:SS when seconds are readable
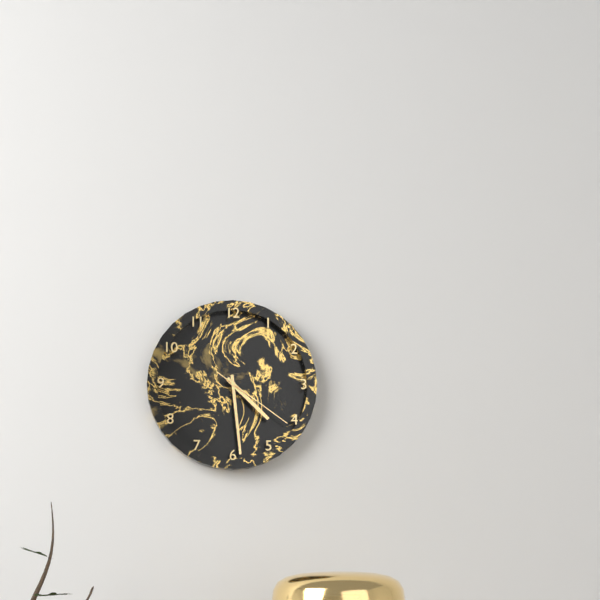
**4:29:21**
